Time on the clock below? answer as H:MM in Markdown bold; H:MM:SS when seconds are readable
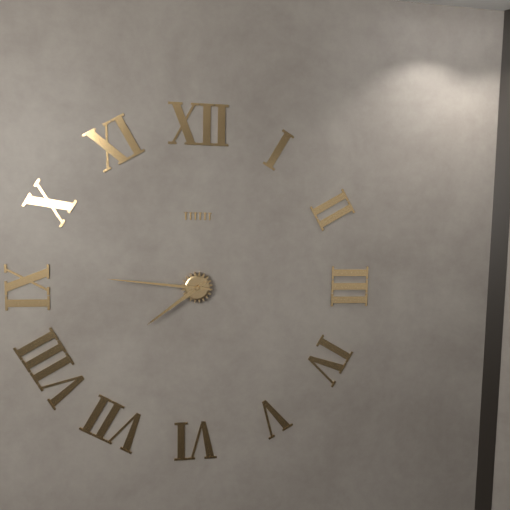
**7:46**
